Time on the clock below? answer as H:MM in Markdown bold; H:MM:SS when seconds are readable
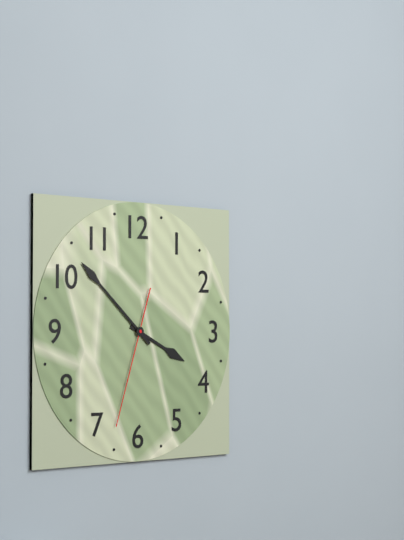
**3:52:33**
